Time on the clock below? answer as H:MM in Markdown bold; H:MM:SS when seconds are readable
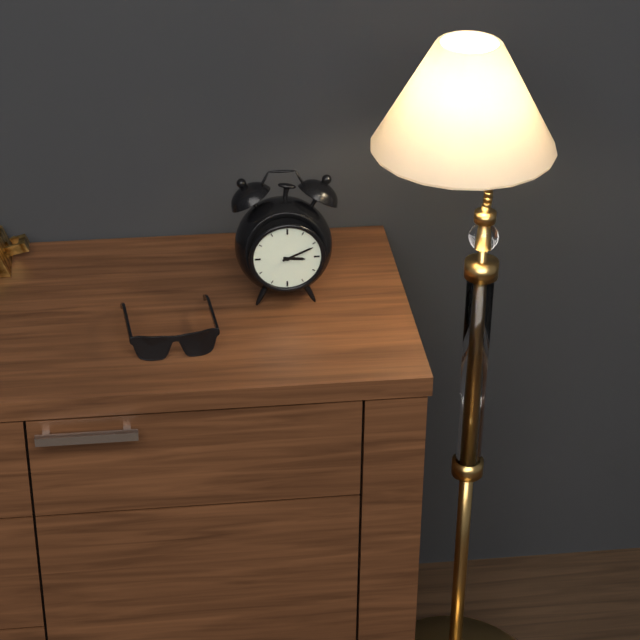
**3:11**
